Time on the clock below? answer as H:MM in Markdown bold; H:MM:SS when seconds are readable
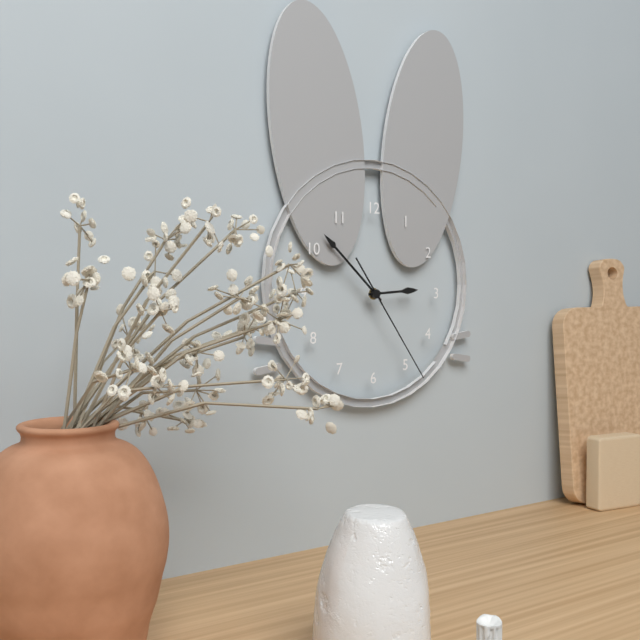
**2:52:24**
